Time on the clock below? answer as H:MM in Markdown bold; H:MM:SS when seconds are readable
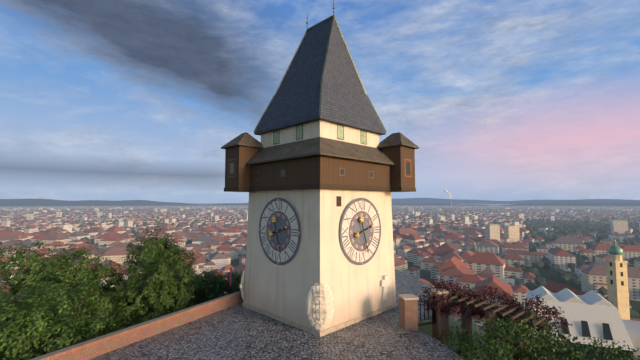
**2:27**
